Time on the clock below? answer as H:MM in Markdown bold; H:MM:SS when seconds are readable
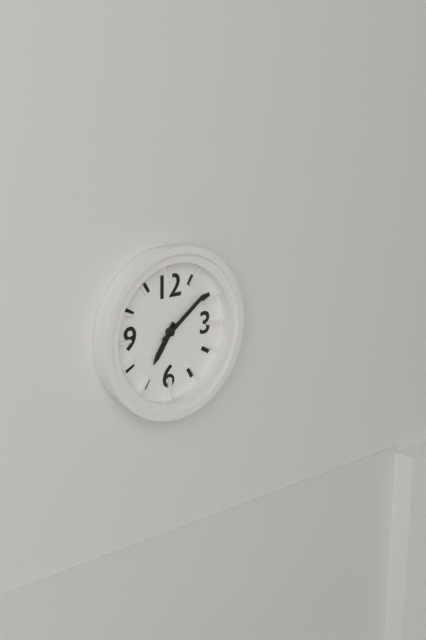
**7:09**
